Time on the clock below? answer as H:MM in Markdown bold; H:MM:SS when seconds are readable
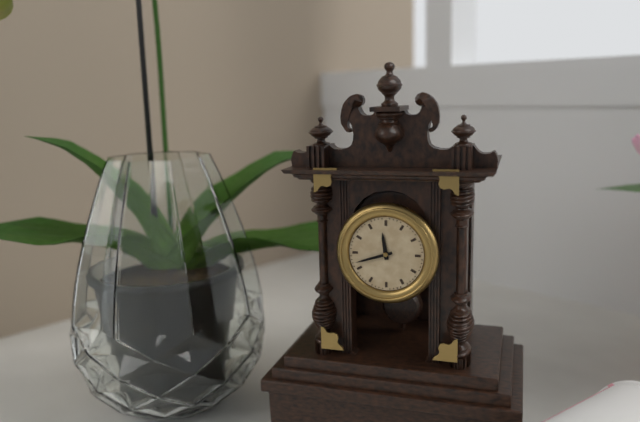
**11:42**
